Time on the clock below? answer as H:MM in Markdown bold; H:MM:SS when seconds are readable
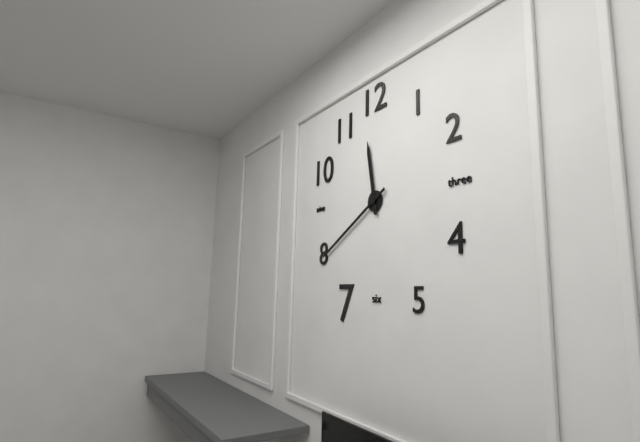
**11:40**
